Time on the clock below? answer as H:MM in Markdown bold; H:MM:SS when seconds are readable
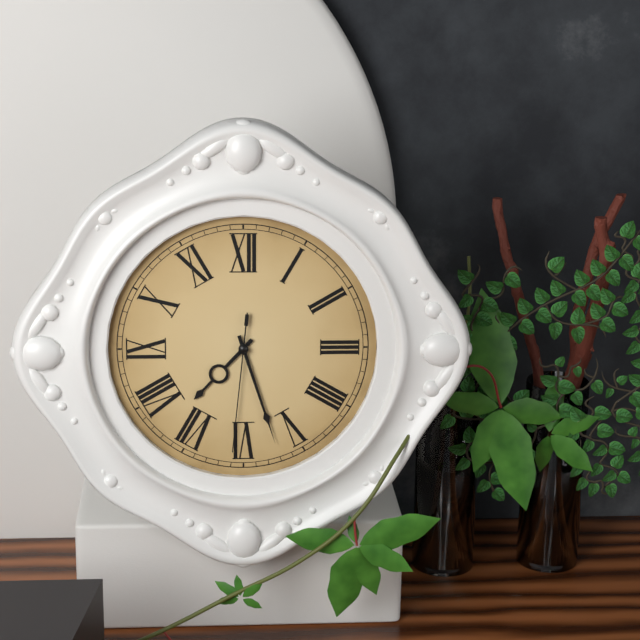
**7:27:31**
